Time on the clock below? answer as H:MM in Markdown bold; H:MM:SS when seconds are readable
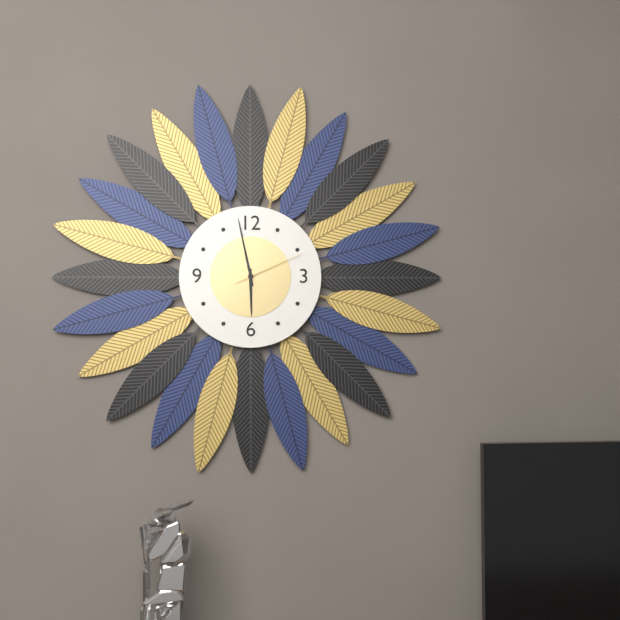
**5:58:11**
